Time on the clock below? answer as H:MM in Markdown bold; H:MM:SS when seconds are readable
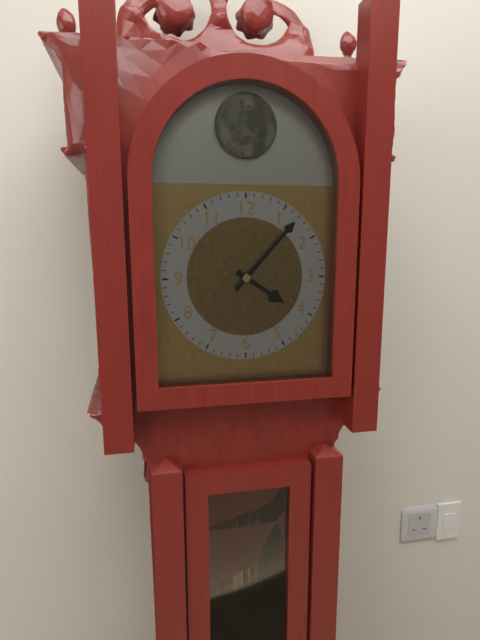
**4:07**
